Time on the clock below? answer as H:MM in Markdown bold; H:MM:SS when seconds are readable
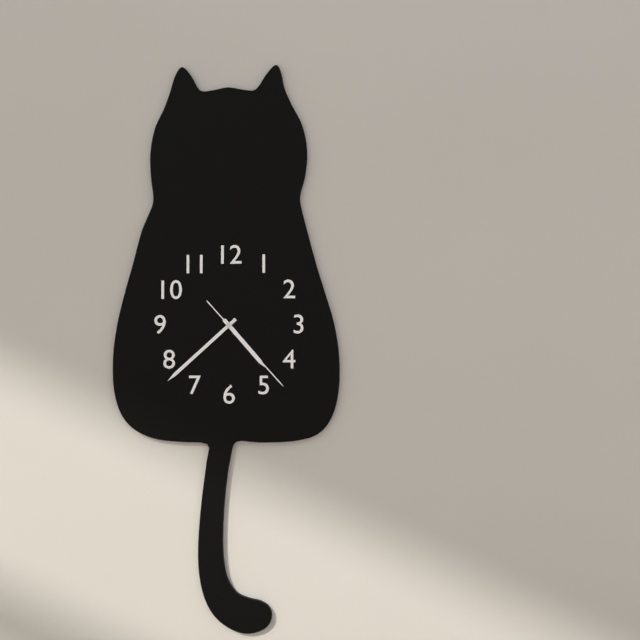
**4:38:23**
